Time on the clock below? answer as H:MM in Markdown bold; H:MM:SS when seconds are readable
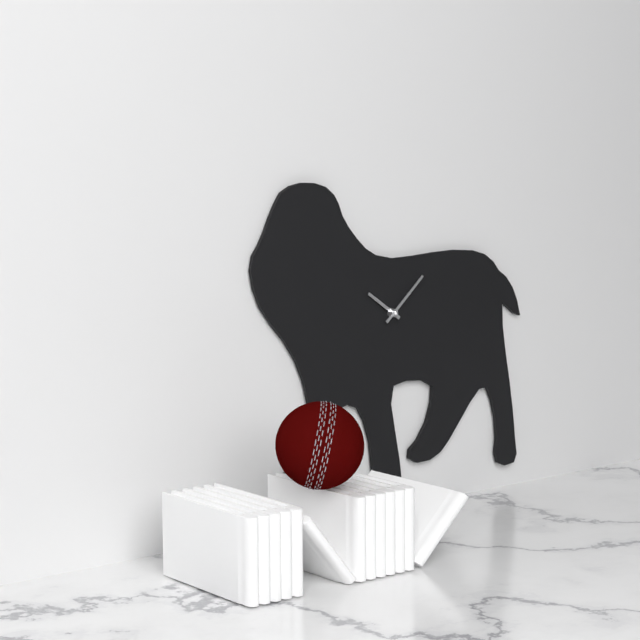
**10:08**
